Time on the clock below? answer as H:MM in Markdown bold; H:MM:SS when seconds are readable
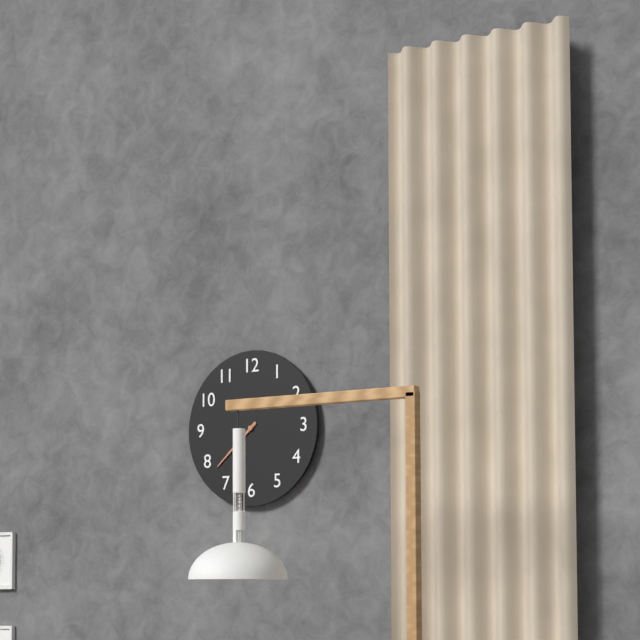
**7:38**
